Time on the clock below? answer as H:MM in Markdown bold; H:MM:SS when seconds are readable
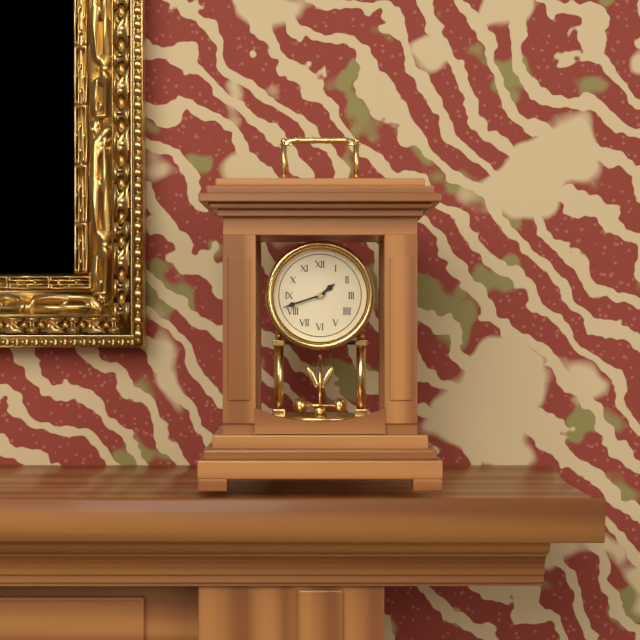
**1:42**
